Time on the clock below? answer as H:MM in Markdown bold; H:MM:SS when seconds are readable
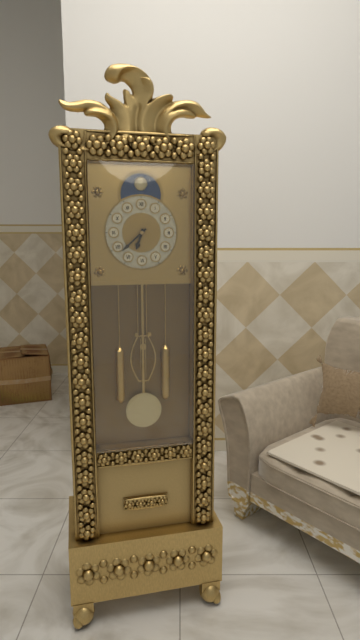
**6:38**
